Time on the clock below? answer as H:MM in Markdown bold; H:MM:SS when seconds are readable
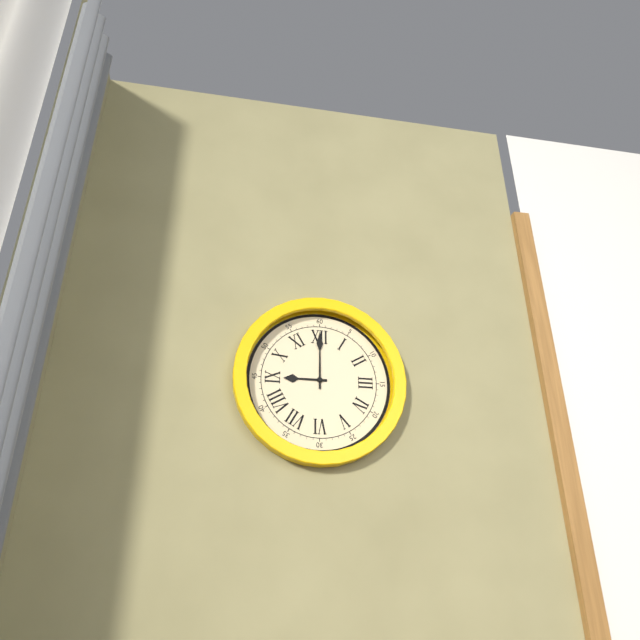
**9:00**
